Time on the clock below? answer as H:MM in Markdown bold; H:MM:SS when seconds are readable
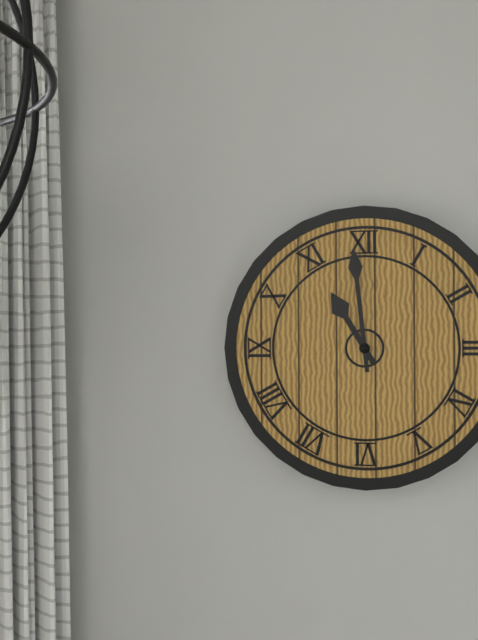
**10:59**
